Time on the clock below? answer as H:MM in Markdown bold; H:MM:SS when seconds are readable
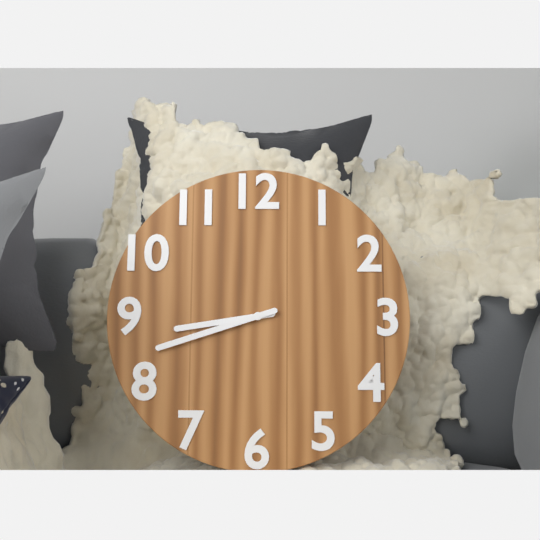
**8:42**
